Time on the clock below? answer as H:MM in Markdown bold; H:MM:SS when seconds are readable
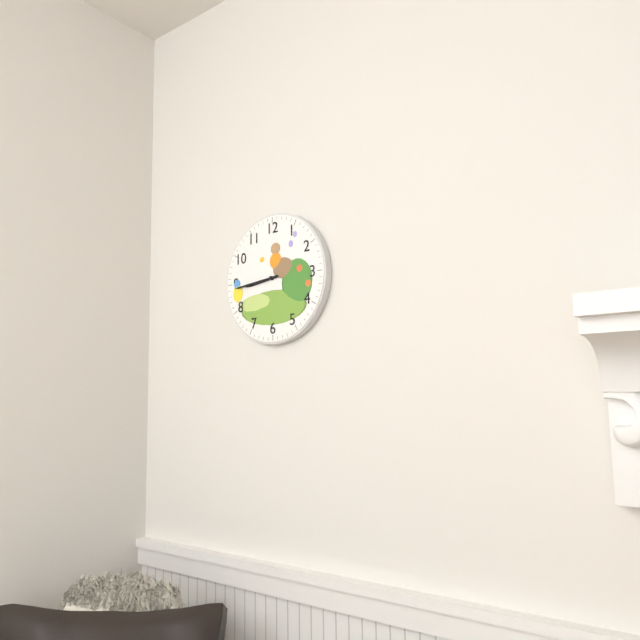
**8:44**
